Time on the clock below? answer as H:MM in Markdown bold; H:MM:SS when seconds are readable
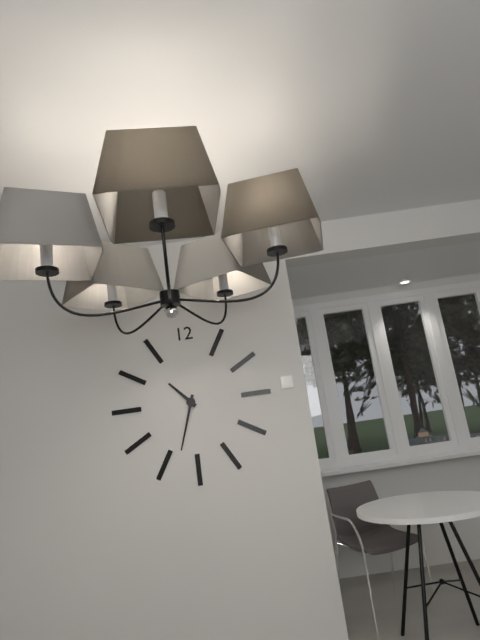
**10:33**
